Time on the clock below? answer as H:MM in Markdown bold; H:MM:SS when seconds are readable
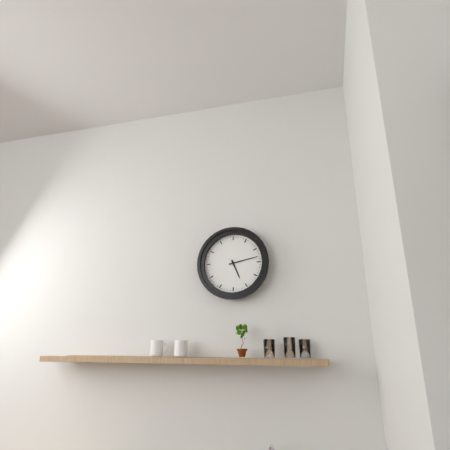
**5:13**
